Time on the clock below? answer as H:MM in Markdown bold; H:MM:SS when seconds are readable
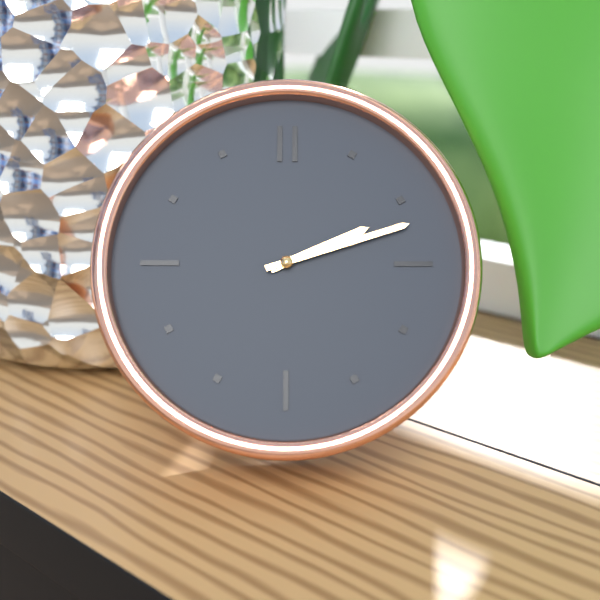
**2:12**
